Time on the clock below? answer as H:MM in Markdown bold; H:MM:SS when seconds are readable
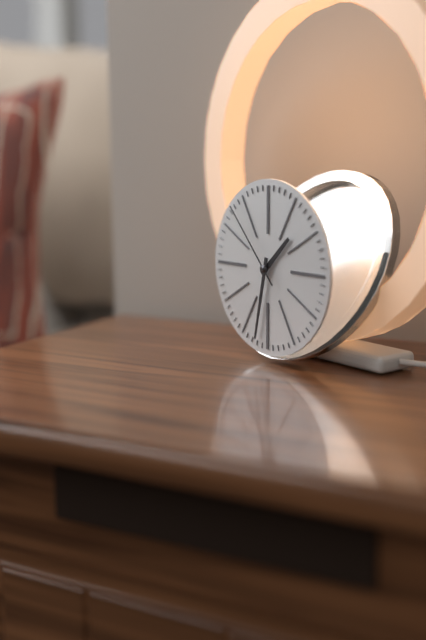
**1:32:53**
